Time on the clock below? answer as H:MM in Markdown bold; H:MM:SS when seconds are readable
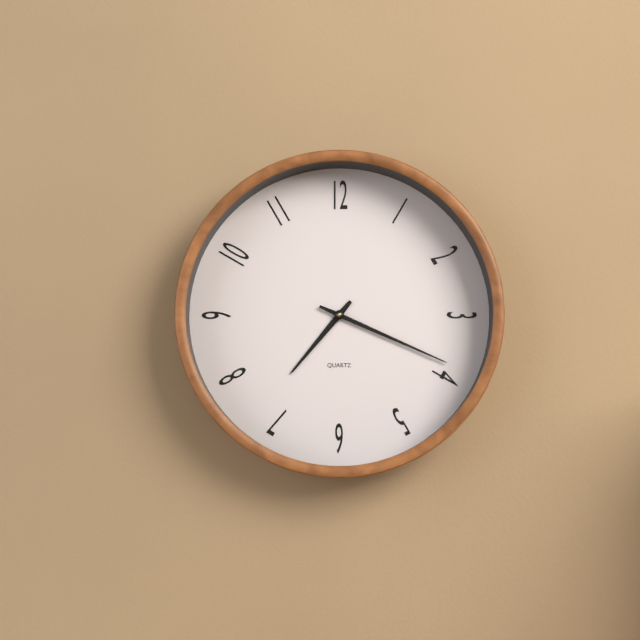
**7:19**
